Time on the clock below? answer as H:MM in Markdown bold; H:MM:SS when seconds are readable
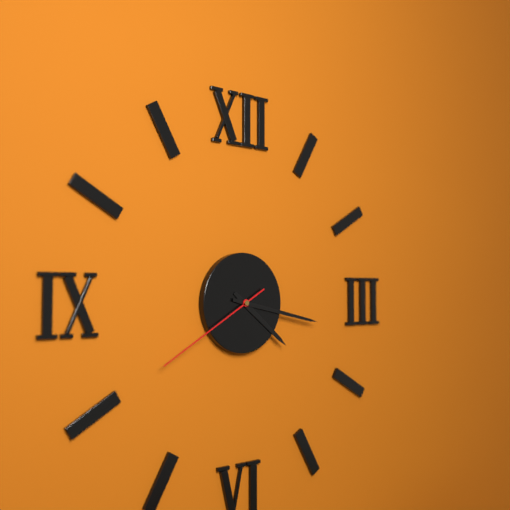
**4:17:40**
